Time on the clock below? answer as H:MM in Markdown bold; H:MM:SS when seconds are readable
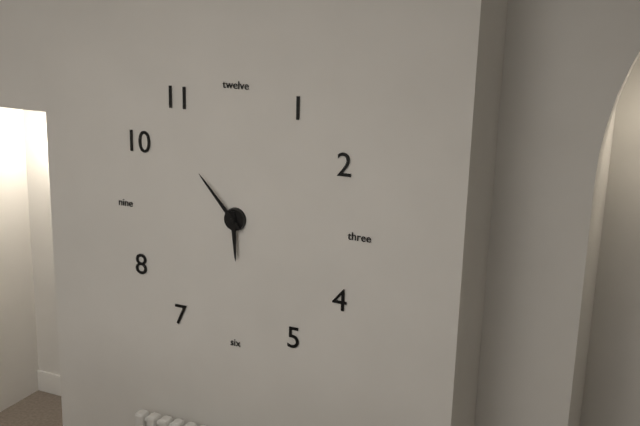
**5:53**
